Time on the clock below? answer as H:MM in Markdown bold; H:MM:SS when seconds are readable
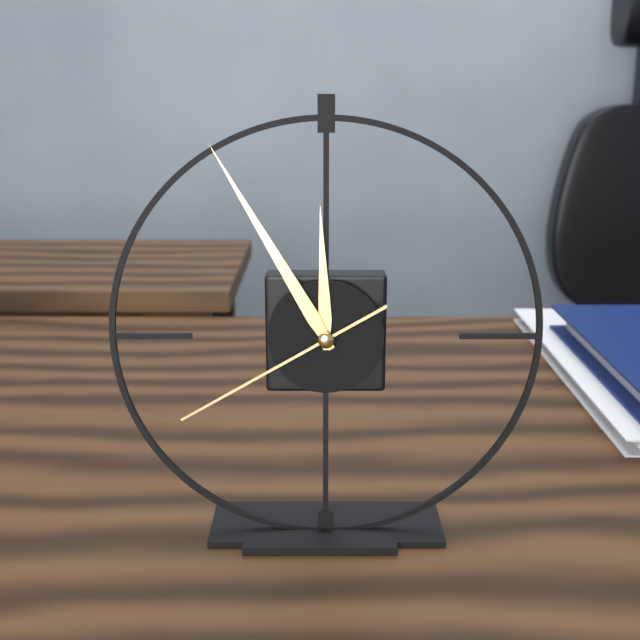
**11:55:40**
